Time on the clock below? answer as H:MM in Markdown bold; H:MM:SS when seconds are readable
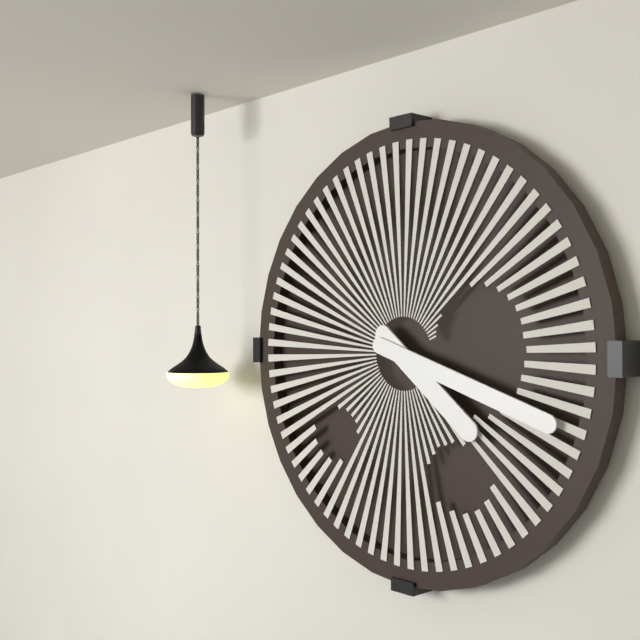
**4:18**
